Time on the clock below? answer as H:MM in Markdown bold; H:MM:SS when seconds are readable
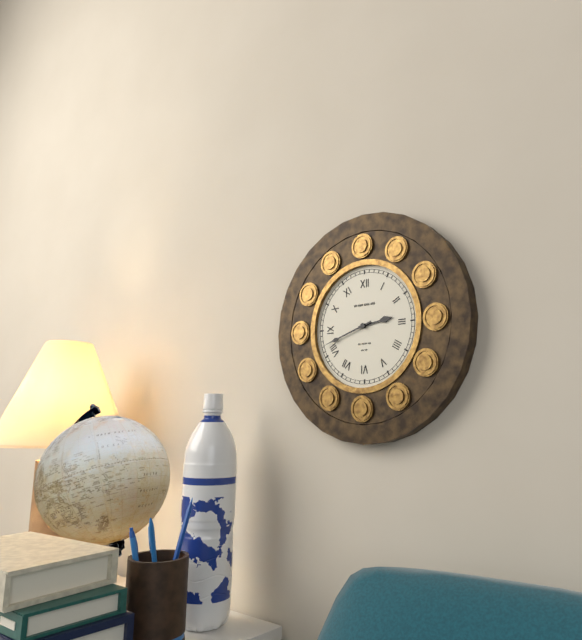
**2:42**
